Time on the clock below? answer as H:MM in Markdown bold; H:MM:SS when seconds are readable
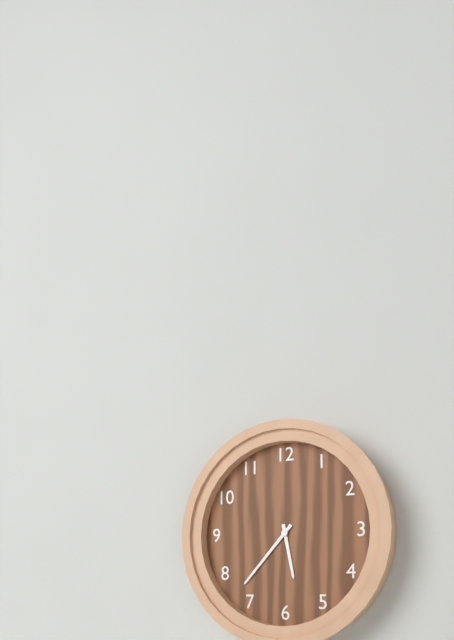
**5:37**
